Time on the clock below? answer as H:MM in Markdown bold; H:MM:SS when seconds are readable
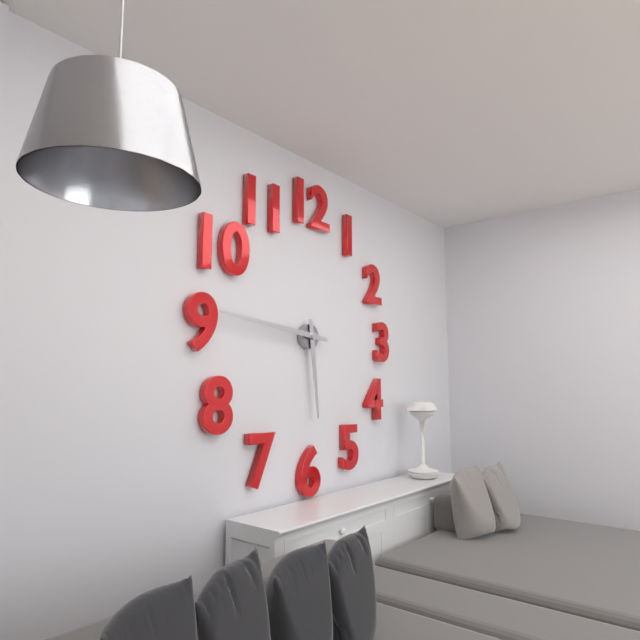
**5:46**
